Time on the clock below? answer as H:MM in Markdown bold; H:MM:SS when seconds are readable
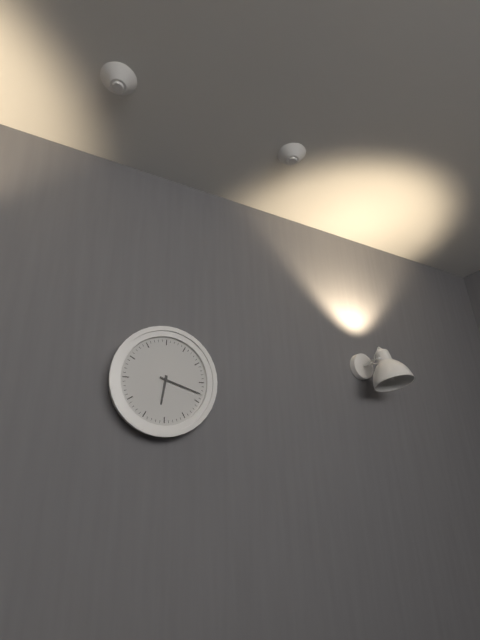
**6:18**
